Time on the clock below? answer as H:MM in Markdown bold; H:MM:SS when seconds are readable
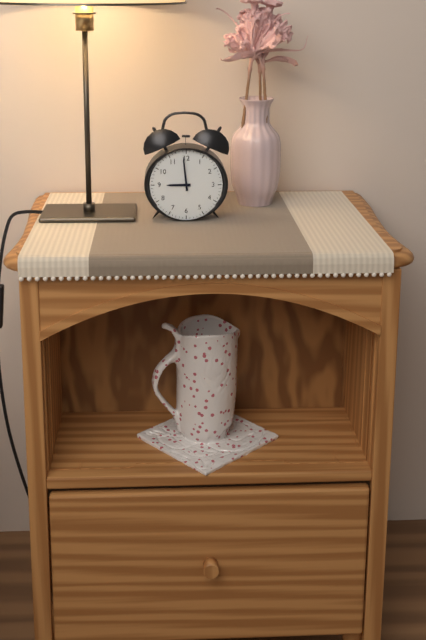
**8:59**
